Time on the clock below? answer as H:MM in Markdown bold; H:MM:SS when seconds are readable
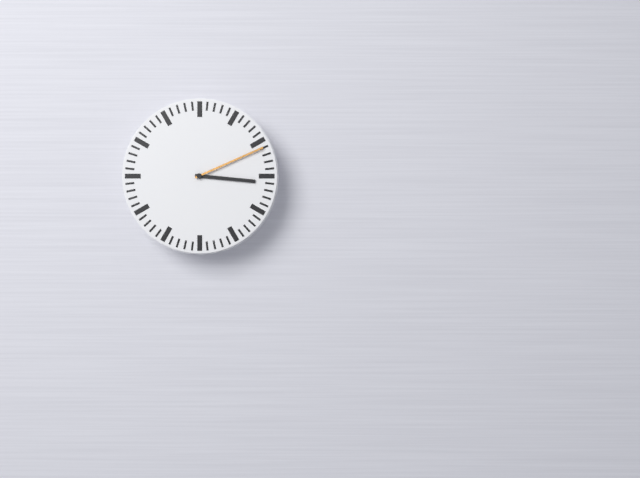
**3:11**
